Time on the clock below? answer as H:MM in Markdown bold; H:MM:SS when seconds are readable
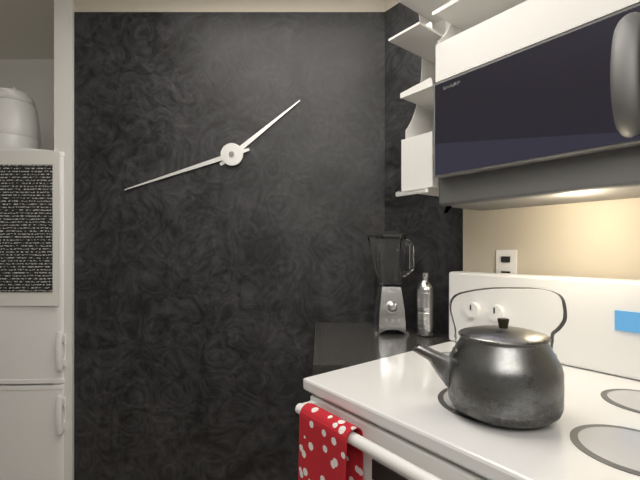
**1:42**
